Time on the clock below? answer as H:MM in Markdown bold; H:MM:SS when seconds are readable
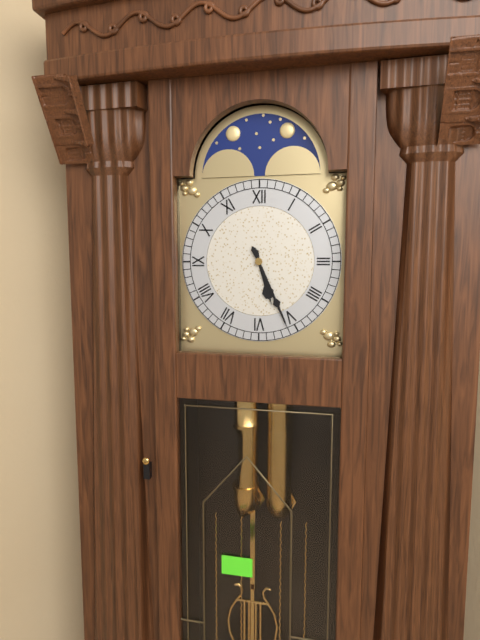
**5:26**
